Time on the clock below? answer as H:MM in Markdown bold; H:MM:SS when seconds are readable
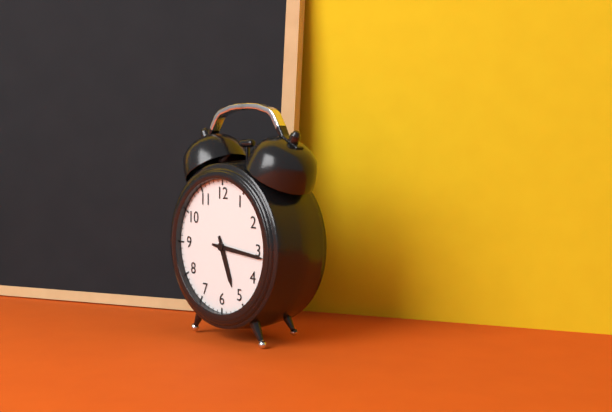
**5:16**
